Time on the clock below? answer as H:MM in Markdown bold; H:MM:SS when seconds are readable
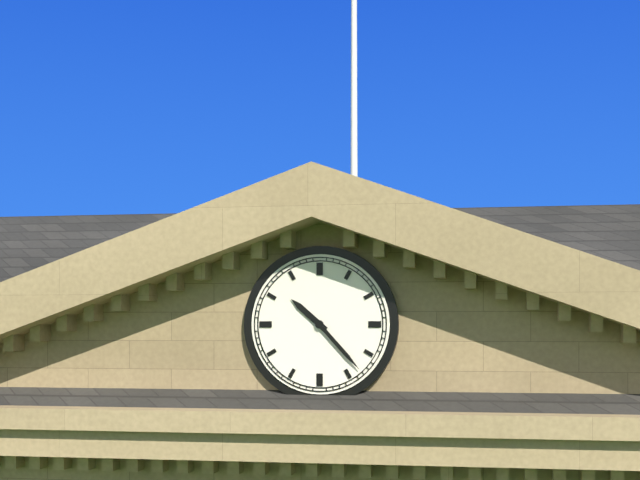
**10:23**
